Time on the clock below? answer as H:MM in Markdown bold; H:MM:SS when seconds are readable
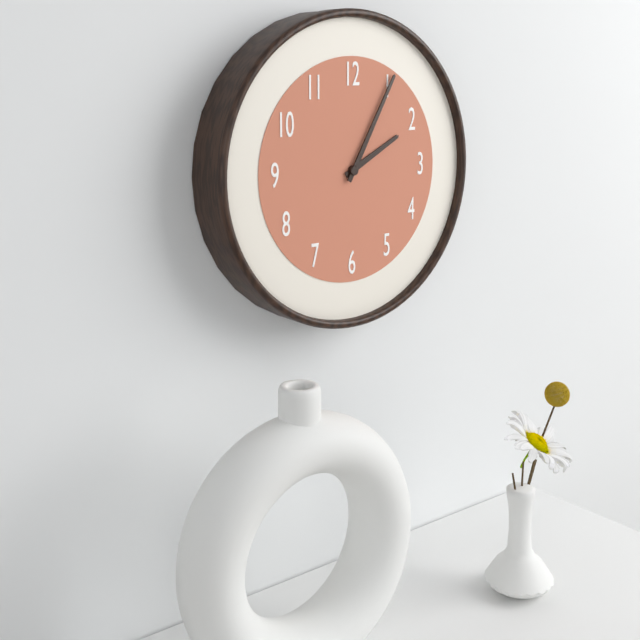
**2:05**
